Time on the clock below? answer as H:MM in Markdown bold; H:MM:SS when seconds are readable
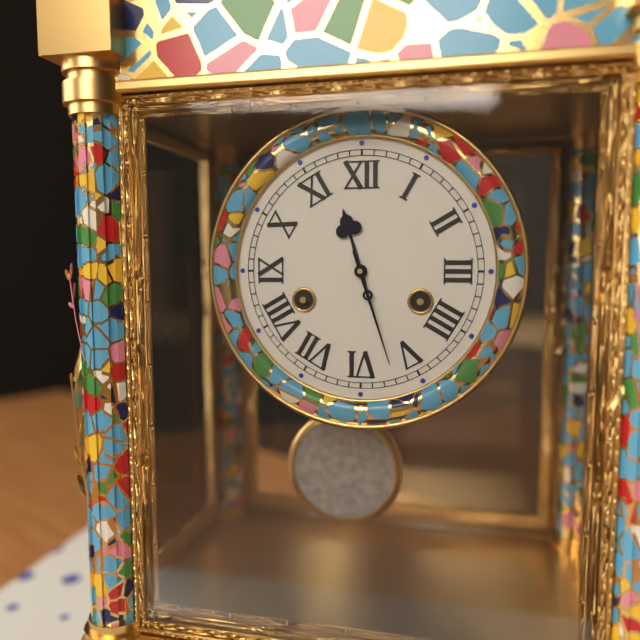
**11:27**
